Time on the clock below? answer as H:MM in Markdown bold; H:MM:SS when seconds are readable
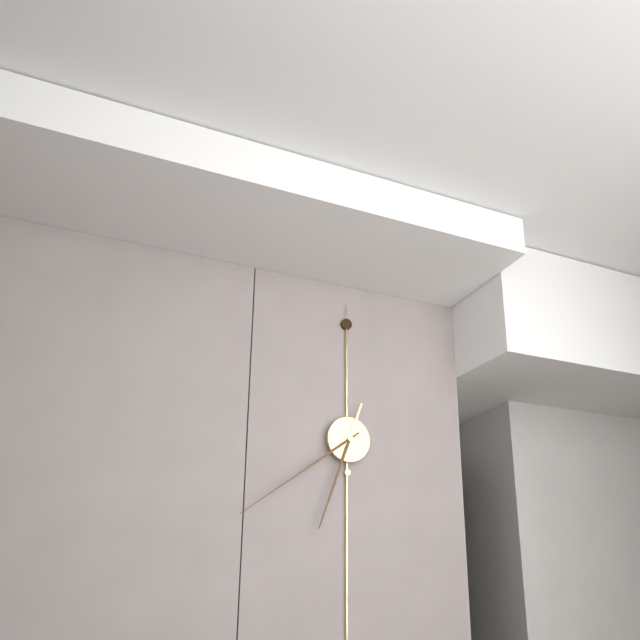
**6:39**
